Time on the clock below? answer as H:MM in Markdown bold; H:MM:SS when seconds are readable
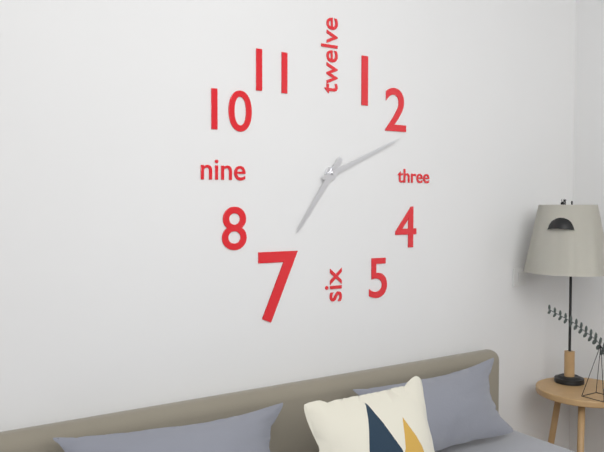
**7:11**
